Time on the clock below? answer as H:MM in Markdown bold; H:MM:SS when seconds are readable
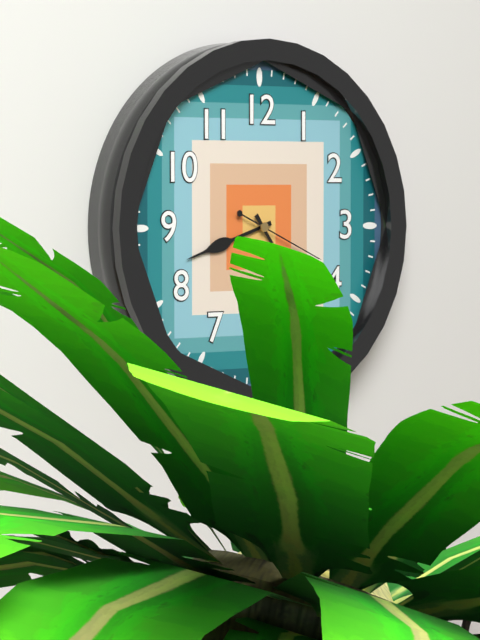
**8:24:19**
